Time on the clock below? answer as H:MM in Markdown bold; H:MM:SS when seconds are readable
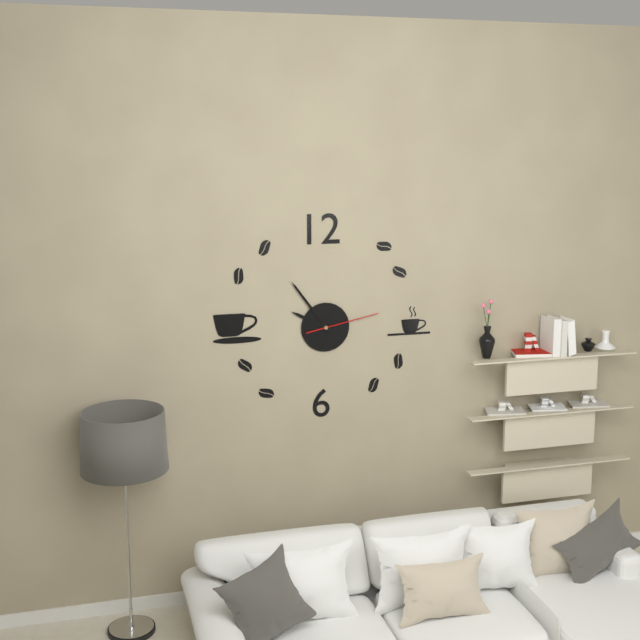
**9:54:13**
